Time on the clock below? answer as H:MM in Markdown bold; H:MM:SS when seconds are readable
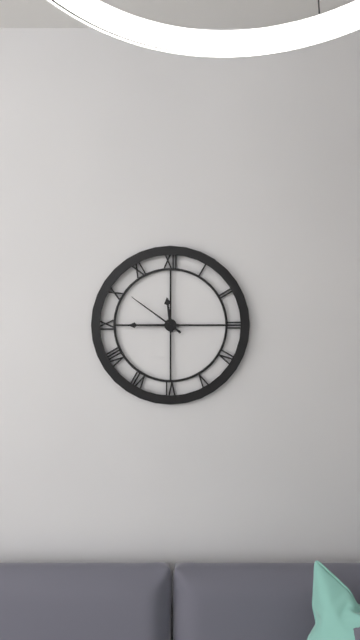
**11:45:51**
